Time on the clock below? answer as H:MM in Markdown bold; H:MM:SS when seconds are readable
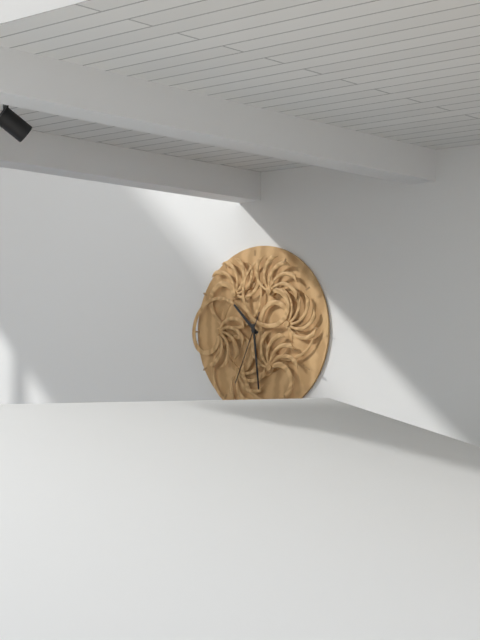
**10:29:34**
